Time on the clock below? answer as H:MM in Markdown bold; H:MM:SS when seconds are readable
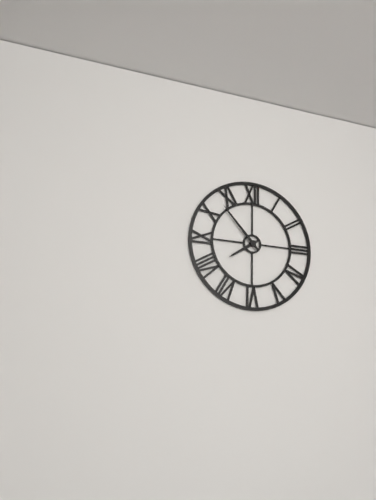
**7:53**
